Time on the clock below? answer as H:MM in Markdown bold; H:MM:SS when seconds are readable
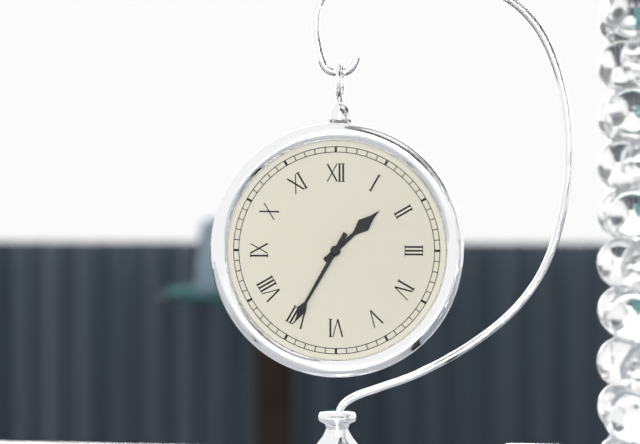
**1:35**
